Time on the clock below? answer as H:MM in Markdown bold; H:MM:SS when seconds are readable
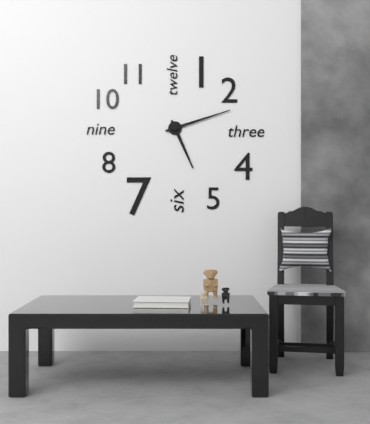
**5:12**
